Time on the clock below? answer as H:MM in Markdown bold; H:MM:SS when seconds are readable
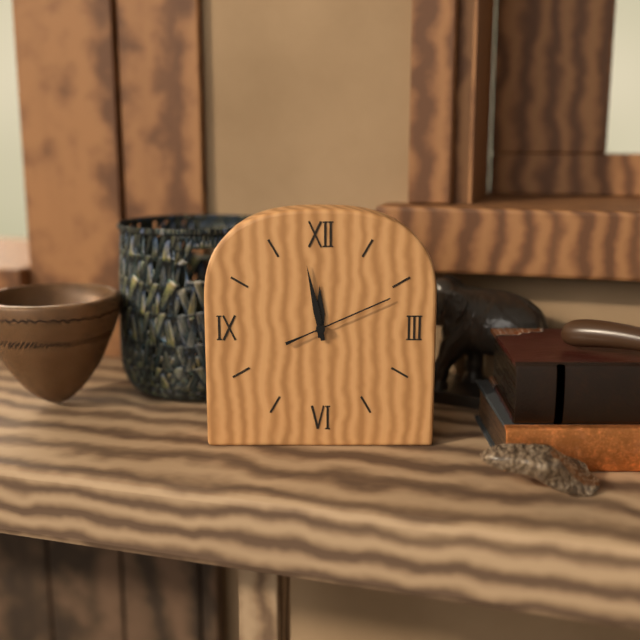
**11:58:11**
